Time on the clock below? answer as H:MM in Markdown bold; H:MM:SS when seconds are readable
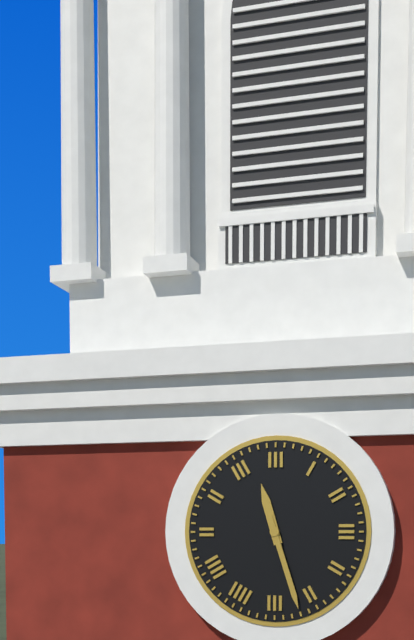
**11:27**
